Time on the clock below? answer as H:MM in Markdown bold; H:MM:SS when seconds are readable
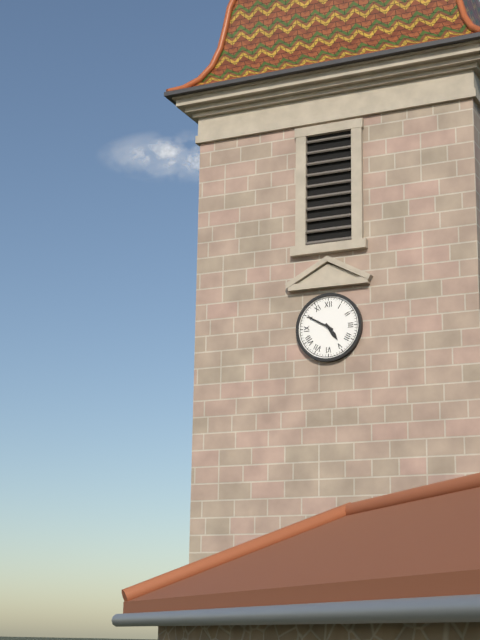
**4:50**
